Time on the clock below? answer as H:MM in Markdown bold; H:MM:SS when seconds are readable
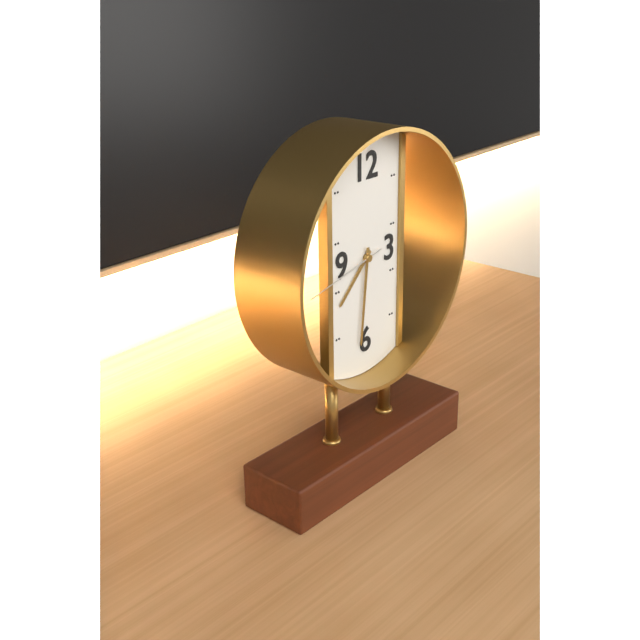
**7:31:43**
